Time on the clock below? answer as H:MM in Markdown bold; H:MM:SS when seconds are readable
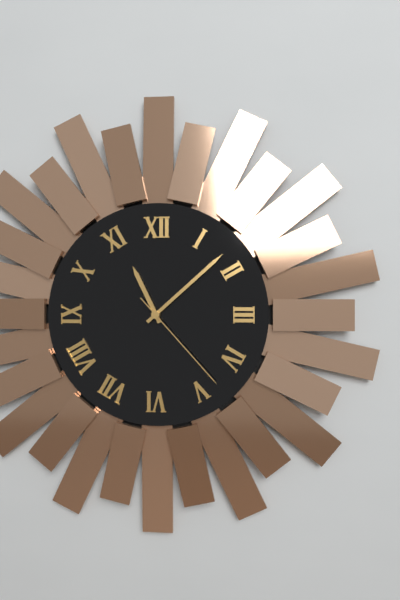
**11:08:23**
